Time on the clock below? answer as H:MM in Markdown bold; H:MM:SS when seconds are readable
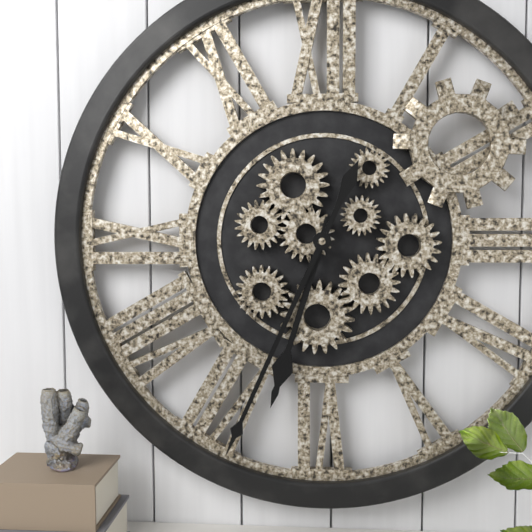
**6:34**
